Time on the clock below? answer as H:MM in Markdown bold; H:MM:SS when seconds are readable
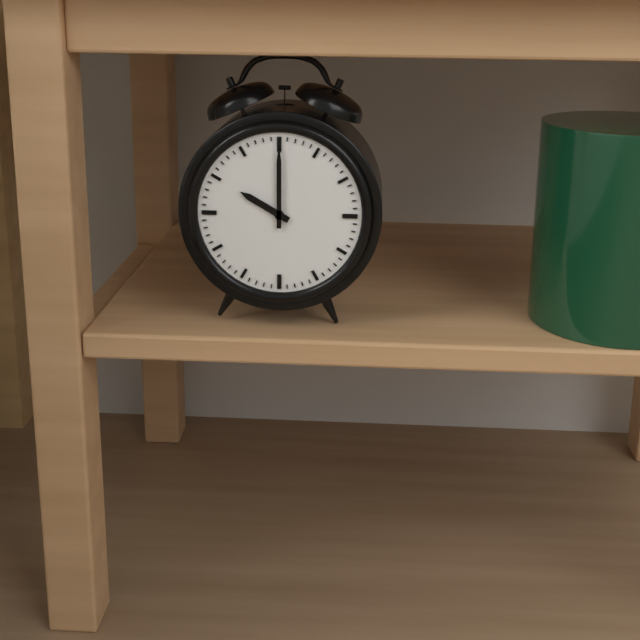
**10:00**
